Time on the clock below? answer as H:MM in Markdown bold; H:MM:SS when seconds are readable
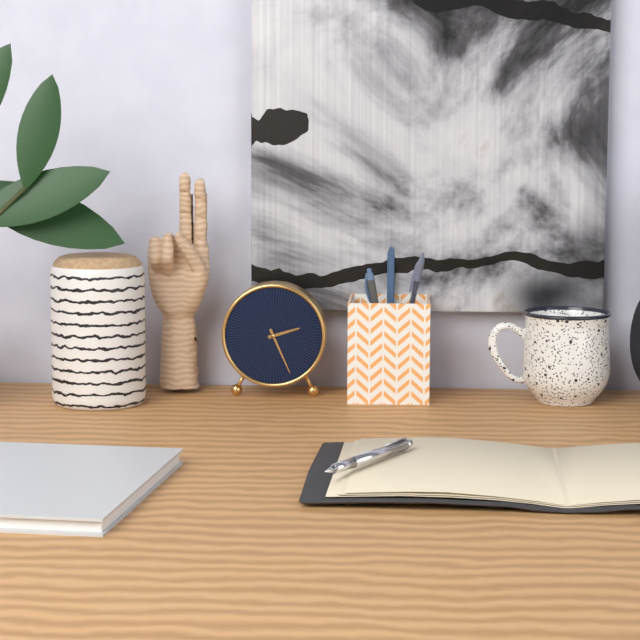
**2:26**
